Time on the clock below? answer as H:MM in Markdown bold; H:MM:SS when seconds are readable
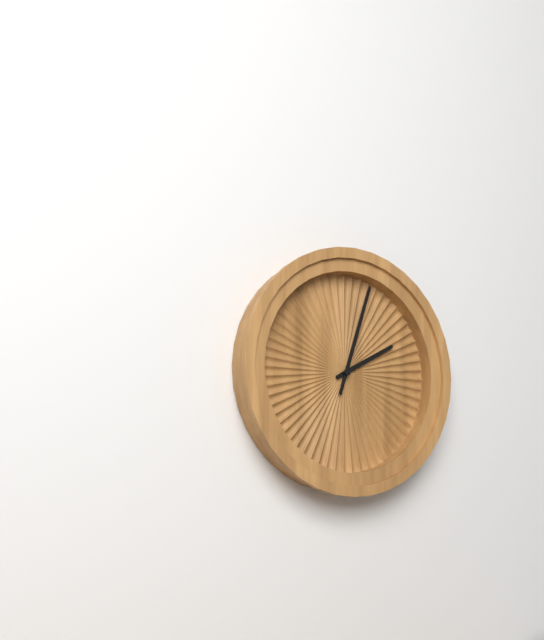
**2:03**
